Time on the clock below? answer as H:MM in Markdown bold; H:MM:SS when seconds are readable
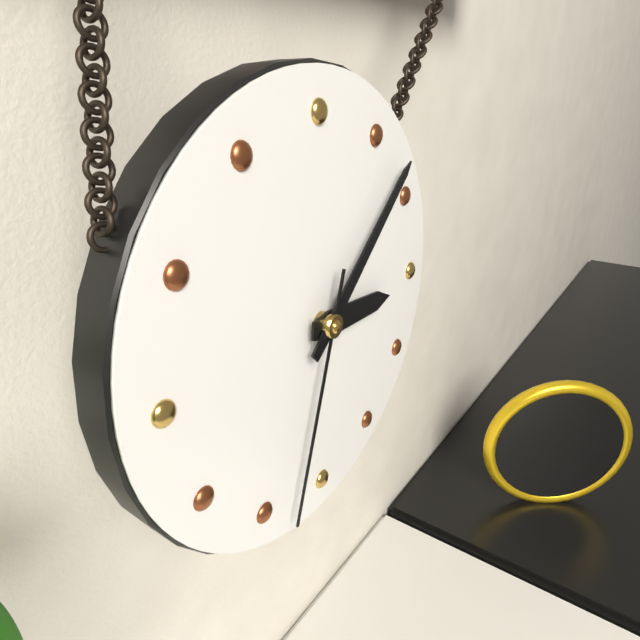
**3:08:33**
